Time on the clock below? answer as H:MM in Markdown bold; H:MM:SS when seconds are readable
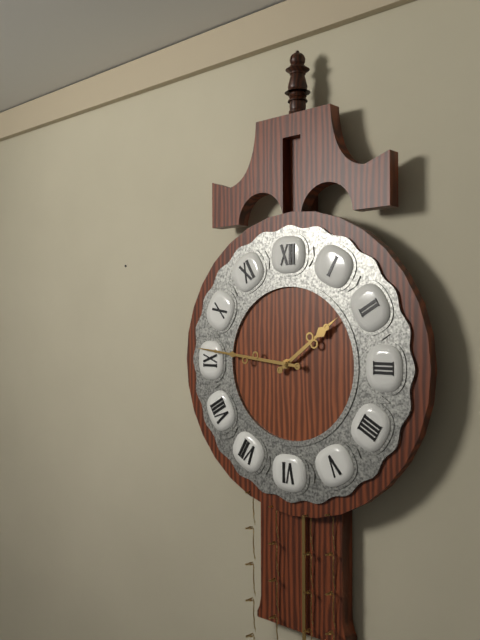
**1:46**
